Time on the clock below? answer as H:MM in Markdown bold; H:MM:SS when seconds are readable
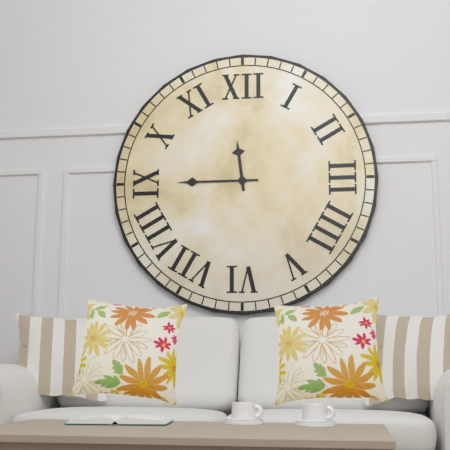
**11:45**
